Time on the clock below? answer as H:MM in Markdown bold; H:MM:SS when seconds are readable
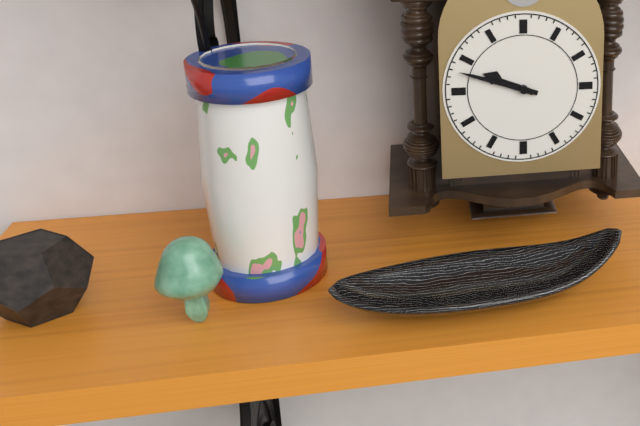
**9:48**
